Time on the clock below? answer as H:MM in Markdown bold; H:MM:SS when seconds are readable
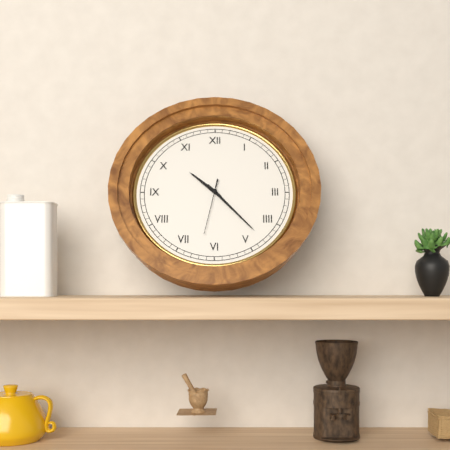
**10:23:32**
